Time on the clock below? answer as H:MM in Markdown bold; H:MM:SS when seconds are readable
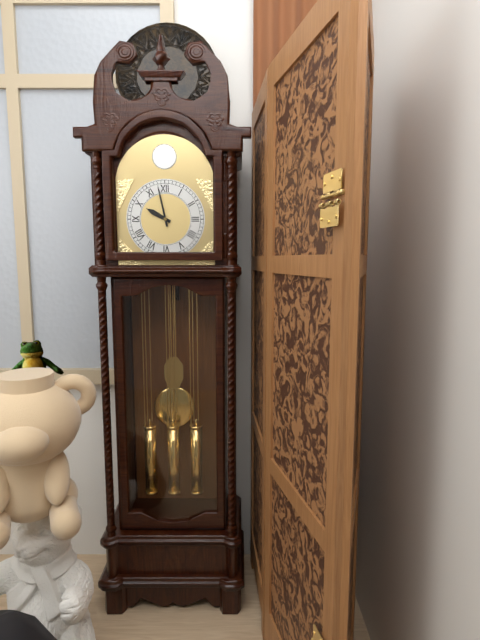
**9:58**
